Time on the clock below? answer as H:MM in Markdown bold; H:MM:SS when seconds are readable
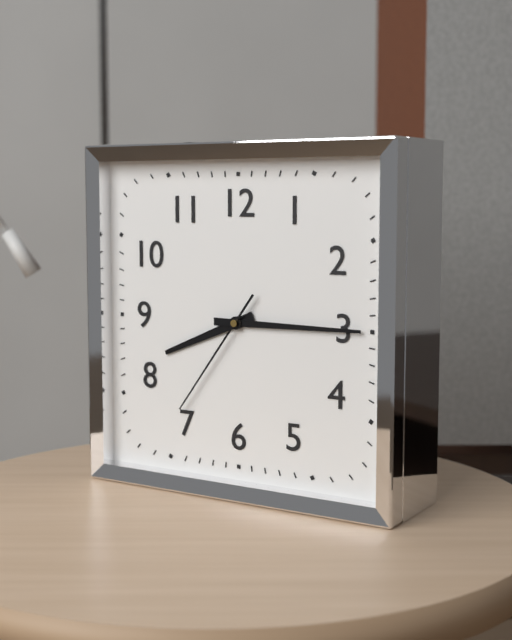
**8:15:36**
